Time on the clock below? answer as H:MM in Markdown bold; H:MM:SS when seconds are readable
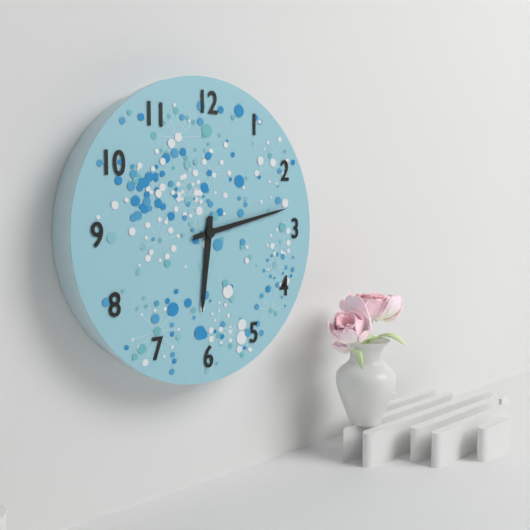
**6:13**
